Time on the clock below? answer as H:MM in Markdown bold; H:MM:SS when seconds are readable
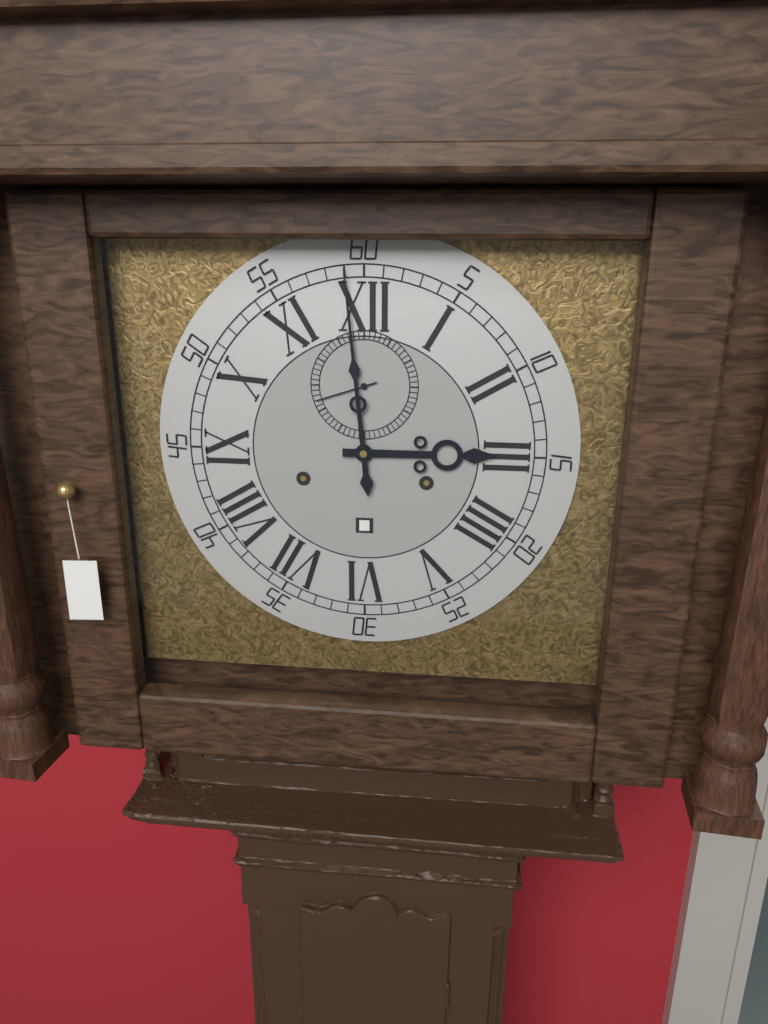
**2:59:42**
